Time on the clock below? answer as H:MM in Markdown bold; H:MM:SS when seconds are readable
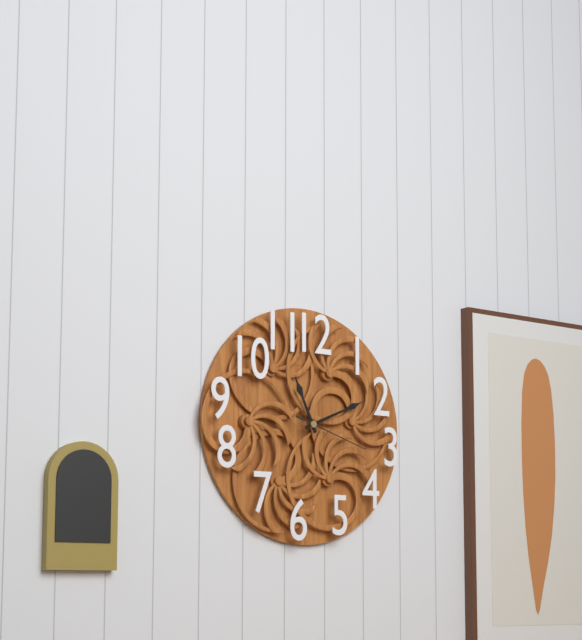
**11:11:18**
